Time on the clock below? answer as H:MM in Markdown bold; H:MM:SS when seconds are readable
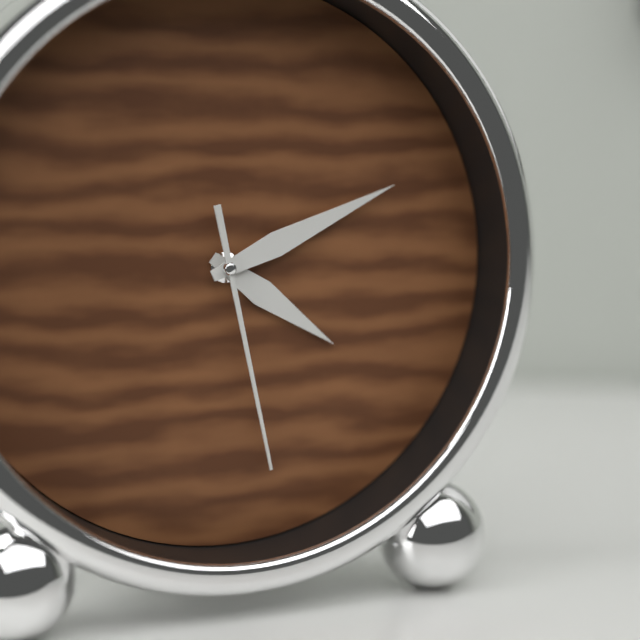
**4:11:28**
